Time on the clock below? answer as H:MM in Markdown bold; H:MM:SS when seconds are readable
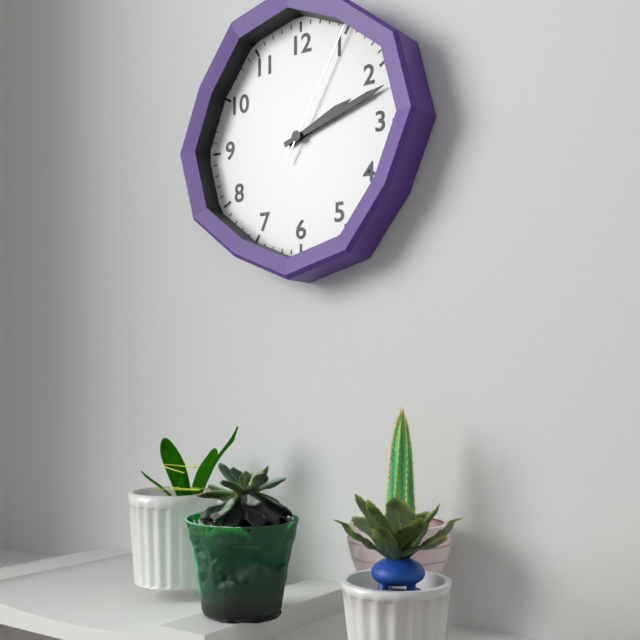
**2:12:05**
